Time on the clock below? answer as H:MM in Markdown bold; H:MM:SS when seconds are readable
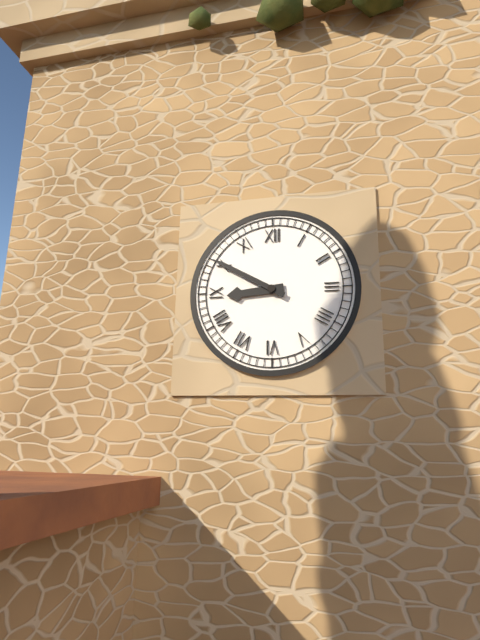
**8:50**
